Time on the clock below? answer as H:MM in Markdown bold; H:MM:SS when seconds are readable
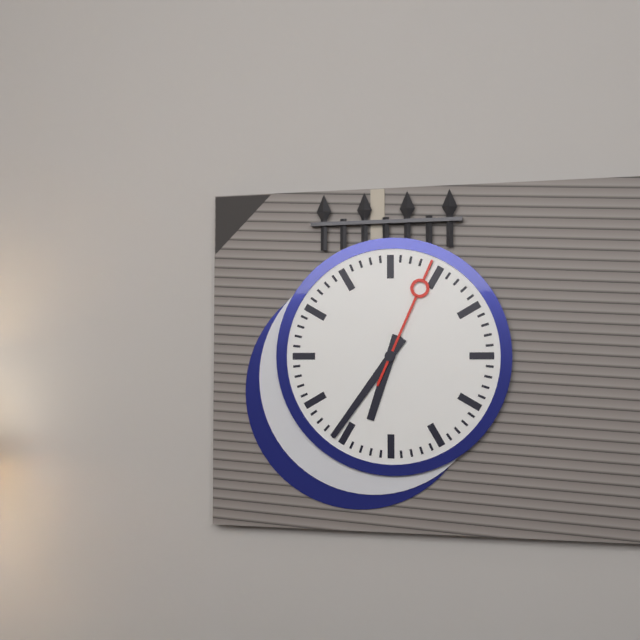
**6:36:04**
